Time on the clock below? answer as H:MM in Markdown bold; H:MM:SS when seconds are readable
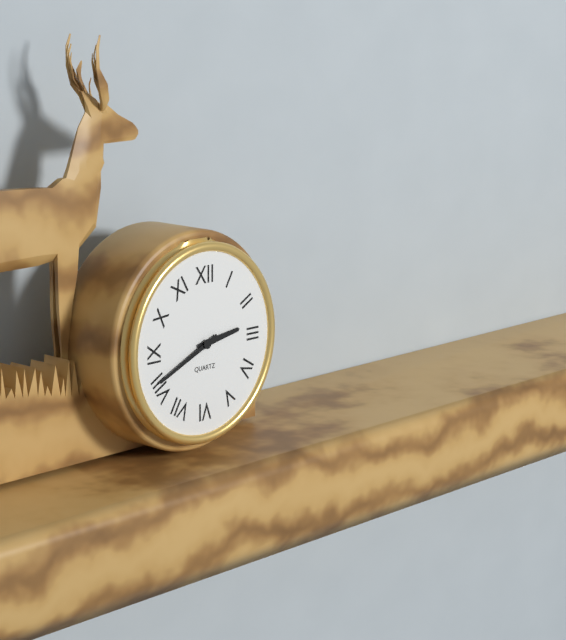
**2:41**
